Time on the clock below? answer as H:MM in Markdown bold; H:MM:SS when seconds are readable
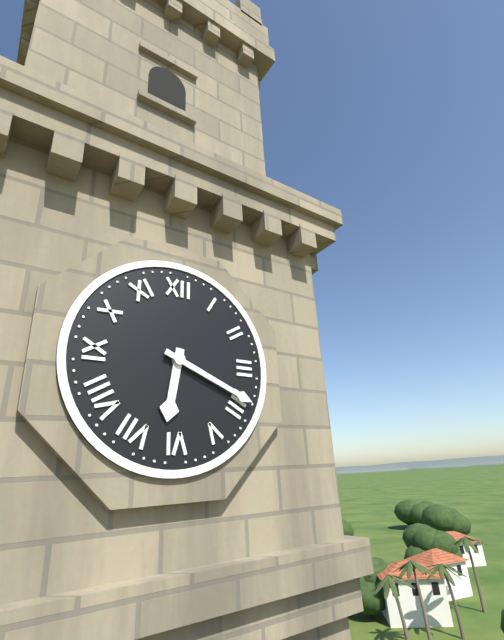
**6:19**
